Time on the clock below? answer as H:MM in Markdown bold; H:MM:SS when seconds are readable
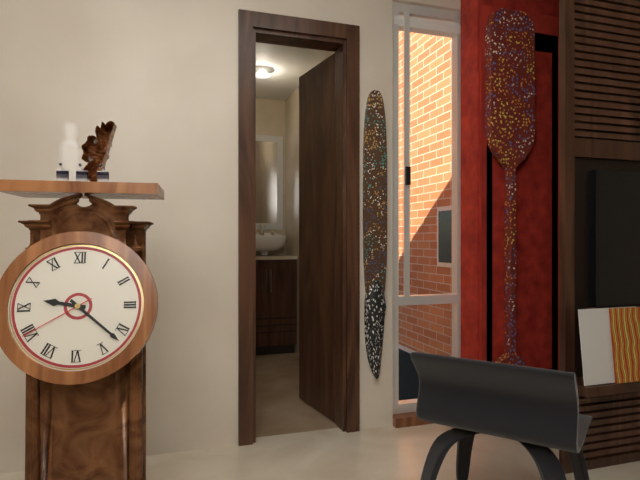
**9:22:40**
